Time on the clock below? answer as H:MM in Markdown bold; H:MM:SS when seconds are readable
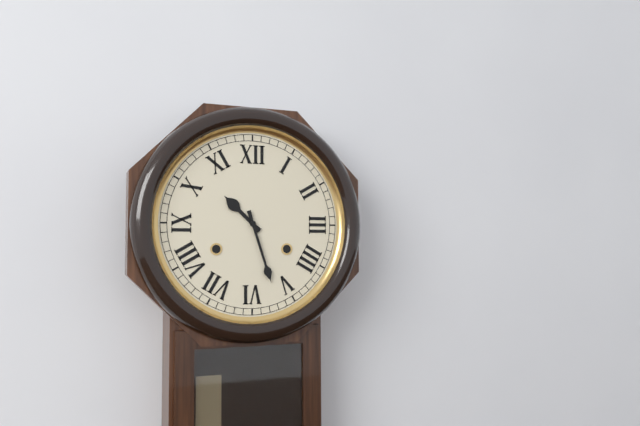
**10:27**
